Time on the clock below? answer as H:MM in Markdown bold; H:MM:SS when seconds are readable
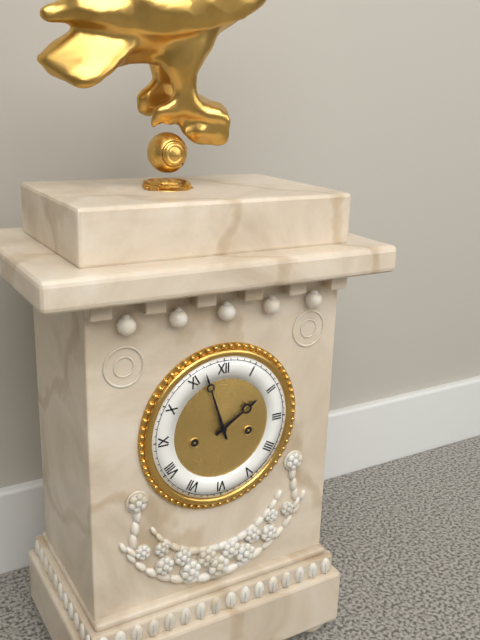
**1:57**
